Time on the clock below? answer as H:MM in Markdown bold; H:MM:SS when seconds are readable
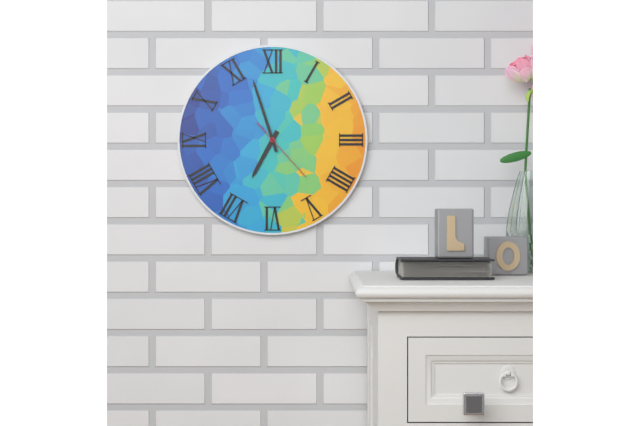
**6:57:23**
